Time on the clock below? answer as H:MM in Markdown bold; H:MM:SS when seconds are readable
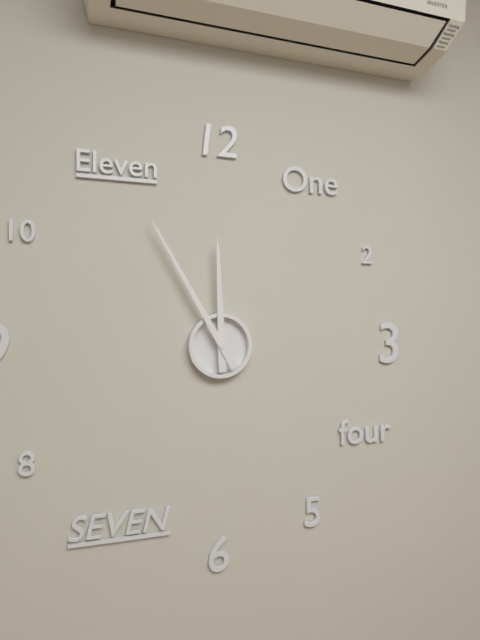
**11:55**
